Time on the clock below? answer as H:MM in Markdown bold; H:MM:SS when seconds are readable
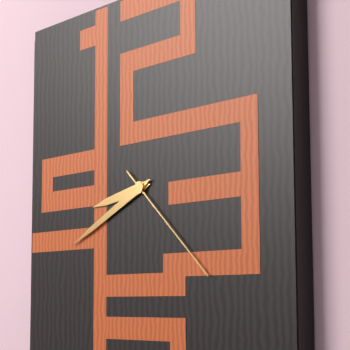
**8:41:22**
